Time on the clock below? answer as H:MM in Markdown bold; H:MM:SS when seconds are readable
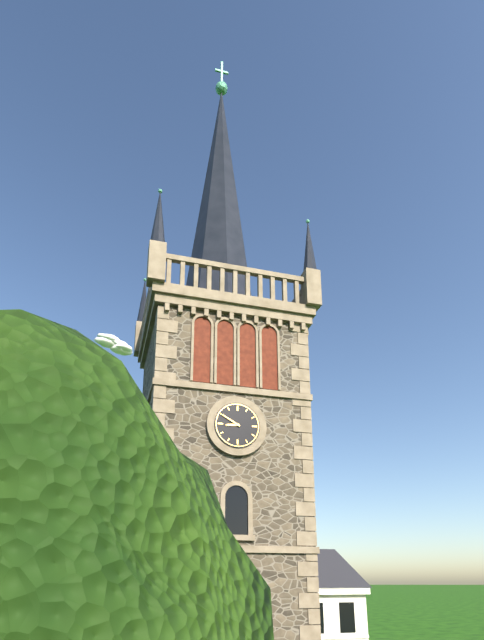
**8:50**
